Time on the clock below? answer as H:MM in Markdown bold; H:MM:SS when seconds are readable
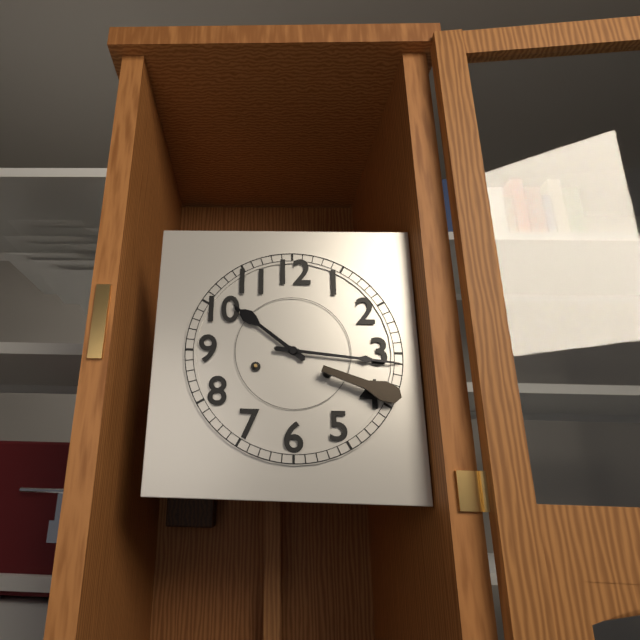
**10:16**
